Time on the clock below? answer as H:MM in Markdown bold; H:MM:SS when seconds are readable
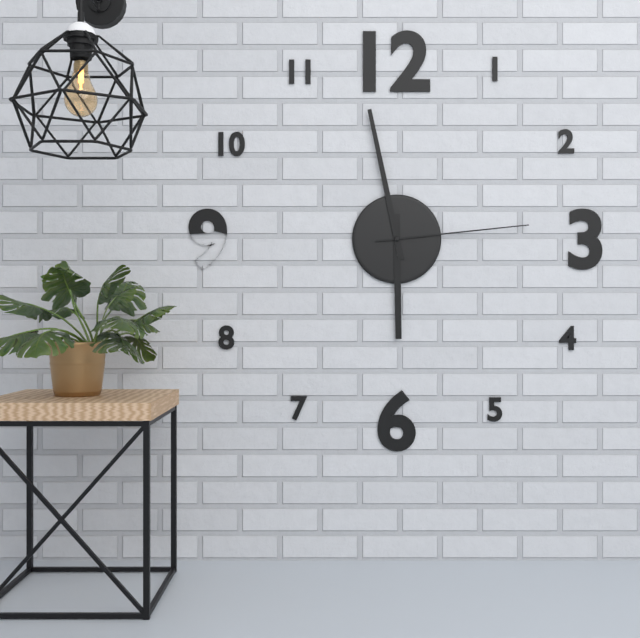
**5:58:14**
